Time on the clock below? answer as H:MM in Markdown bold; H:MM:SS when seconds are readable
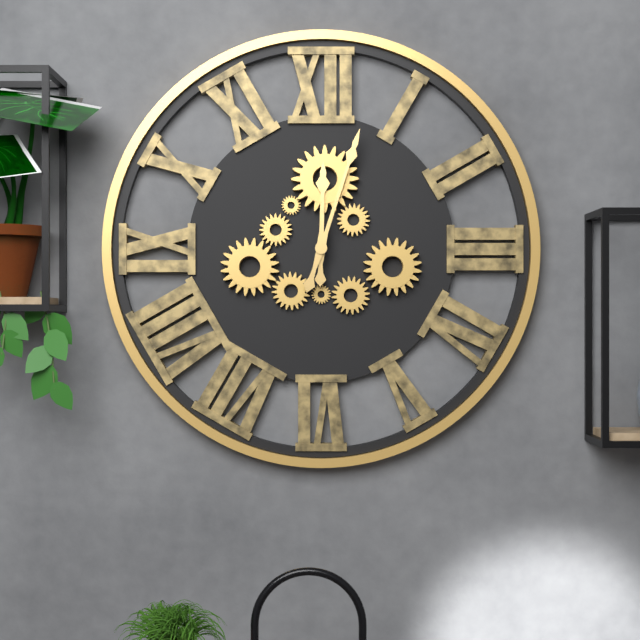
**12:03**
